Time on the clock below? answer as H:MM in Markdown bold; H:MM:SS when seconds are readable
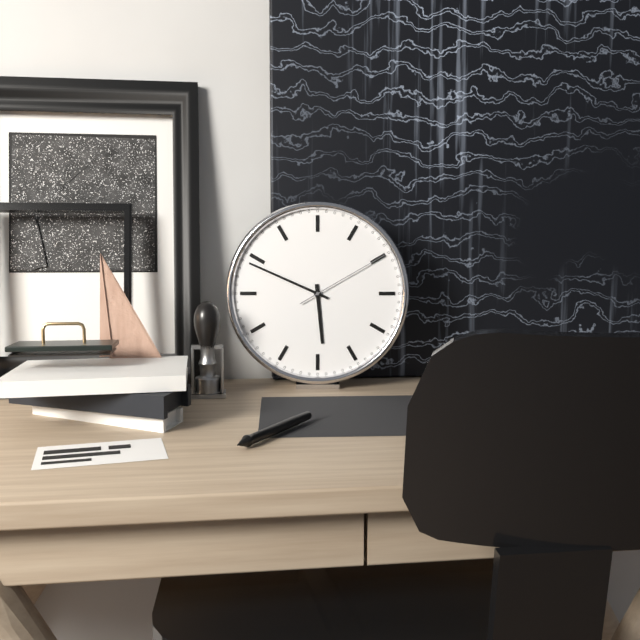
**5:49:10**
